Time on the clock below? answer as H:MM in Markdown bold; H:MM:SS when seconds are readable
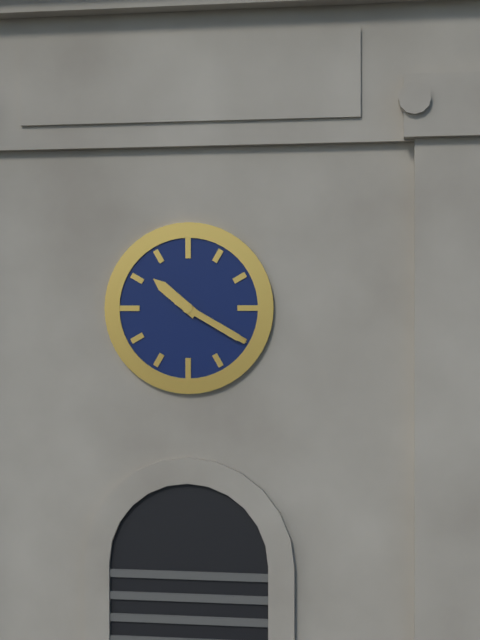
**10:20**
